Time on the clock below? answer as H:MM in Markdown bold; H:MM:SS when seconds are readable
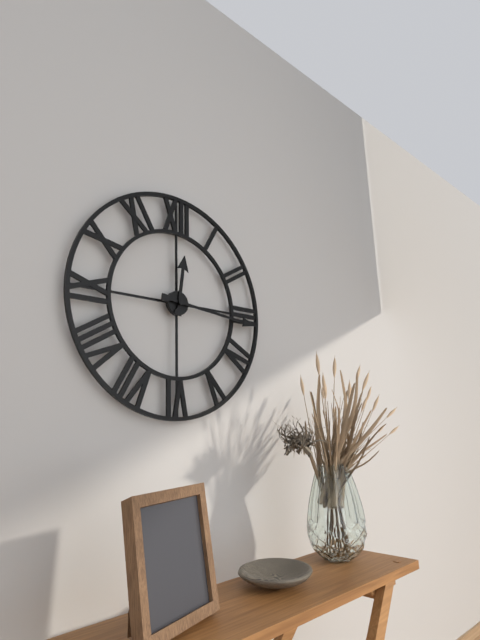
**12:16**
